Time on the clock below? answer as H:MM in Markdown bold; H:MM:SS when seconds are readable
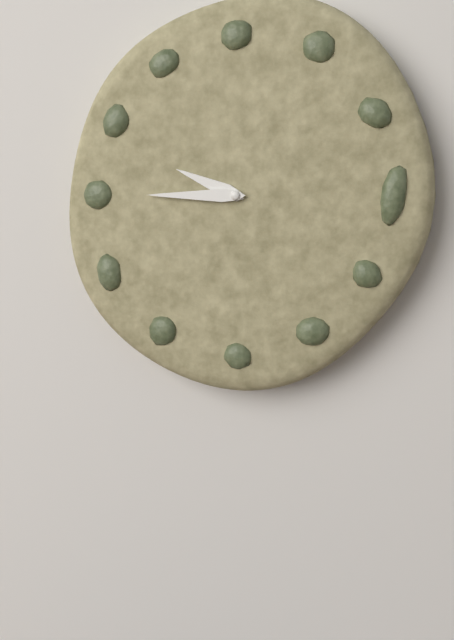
**9:45**
